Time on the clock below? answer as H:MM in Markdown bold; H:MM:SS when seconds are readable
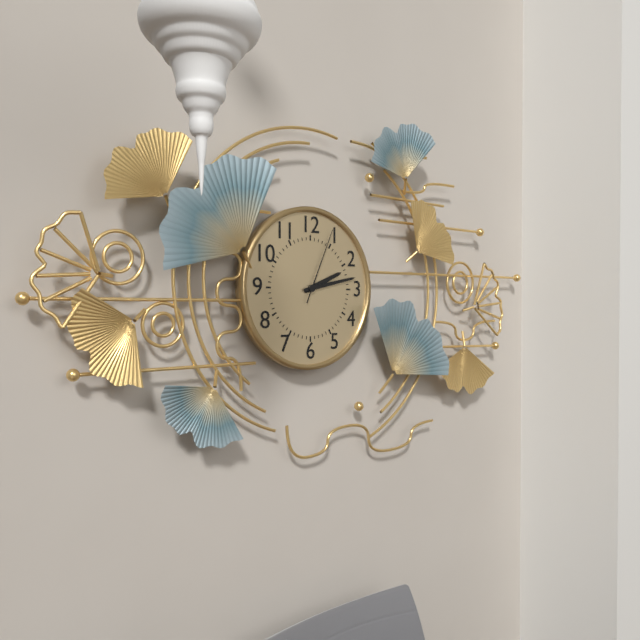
**2:13:04**
